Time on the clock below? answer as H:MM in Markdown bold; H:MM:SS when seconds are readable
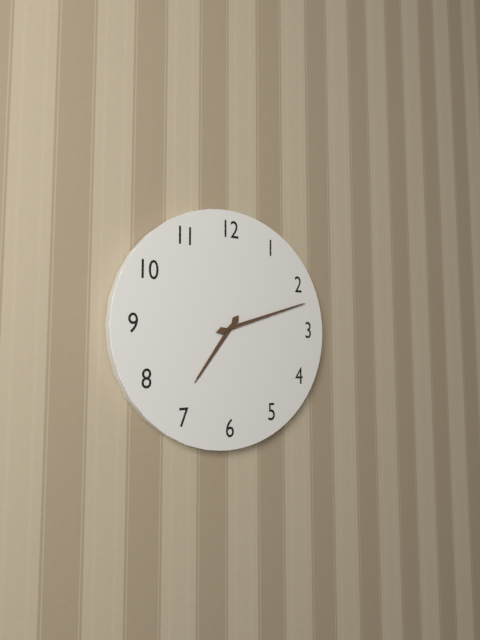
**7:12**
